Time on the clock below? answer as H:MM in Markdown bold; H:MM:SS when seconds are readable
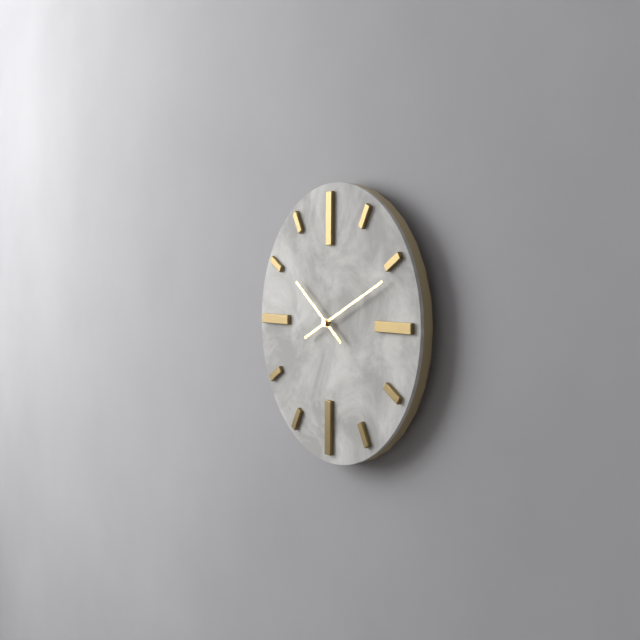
**10:11**
